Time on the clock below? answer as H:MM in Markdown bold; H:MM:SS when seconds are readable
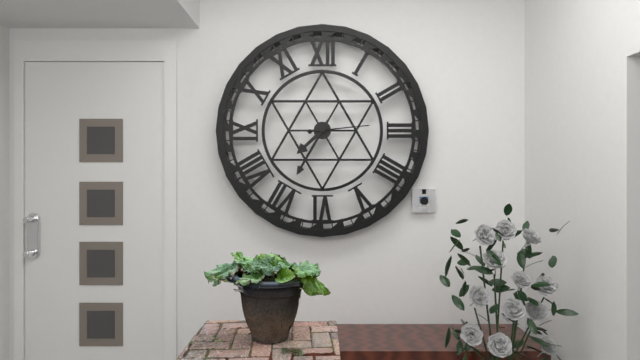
**7:35:14**
